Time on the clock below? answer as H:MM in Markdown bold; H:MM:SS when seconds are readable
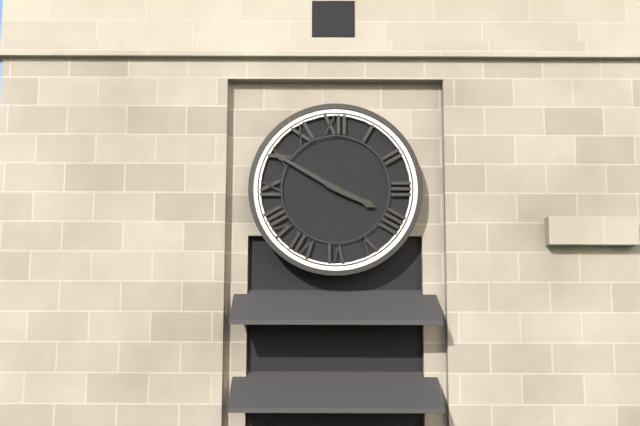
**3:50**
